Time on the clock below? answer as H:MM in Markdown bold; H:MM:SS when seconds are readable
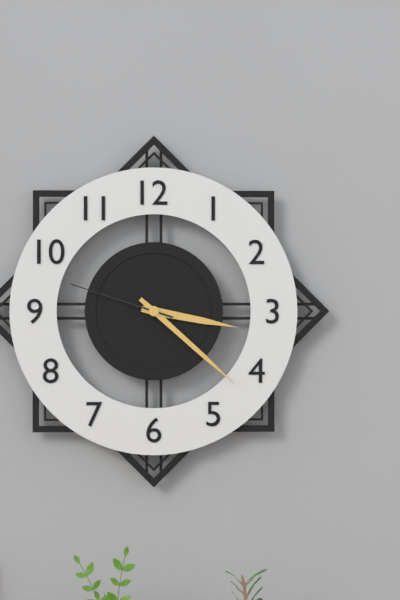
**3:22:48**
